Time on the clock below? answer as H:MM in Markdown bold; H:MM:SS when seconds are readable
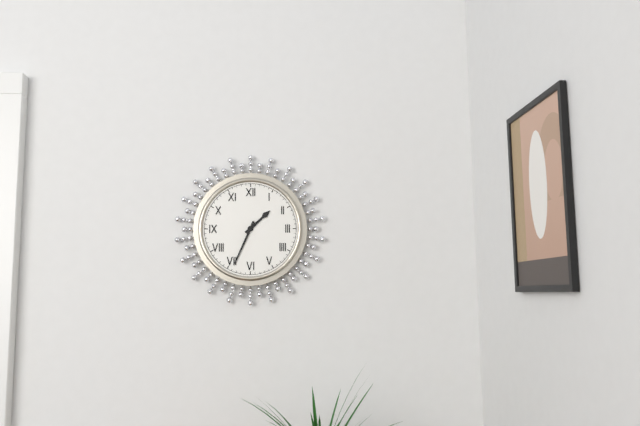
**1:34**
